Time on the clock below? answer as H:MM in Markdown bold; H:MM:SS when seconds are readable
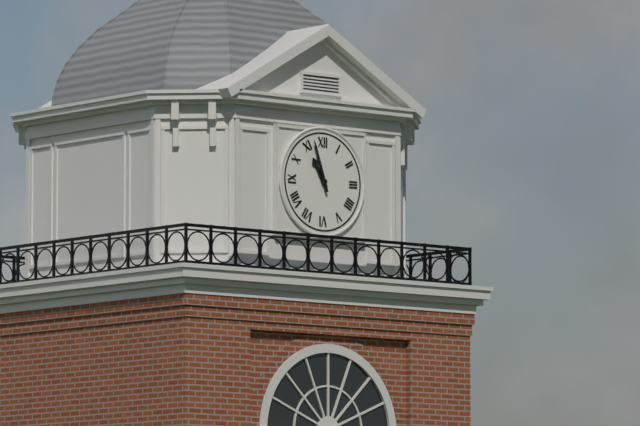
**10:57**
